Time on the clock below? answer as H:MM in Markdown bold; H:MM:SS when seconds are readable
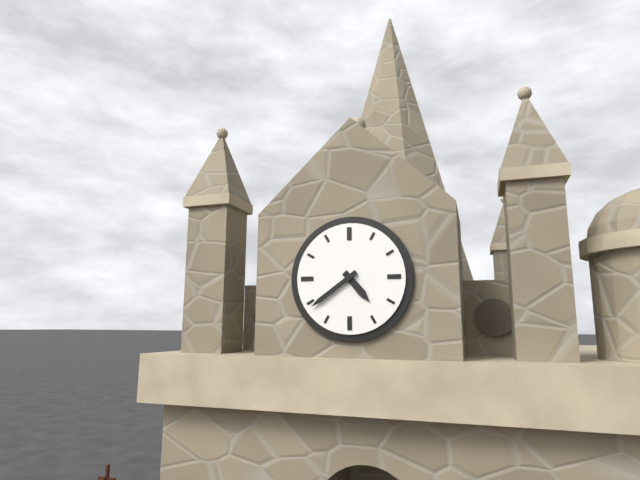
**4:39**
